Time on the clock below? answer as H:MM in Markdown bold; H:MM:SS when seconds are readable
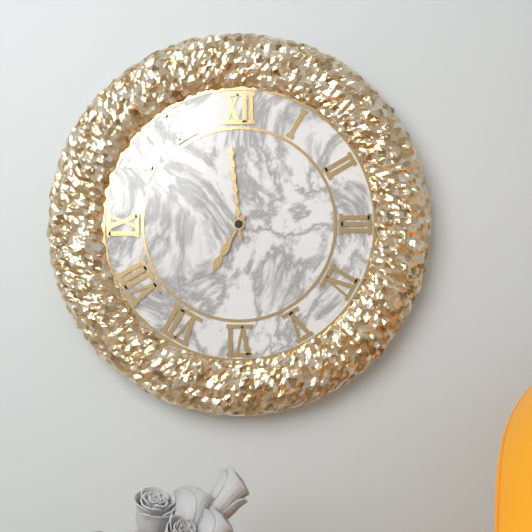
**6:59**
